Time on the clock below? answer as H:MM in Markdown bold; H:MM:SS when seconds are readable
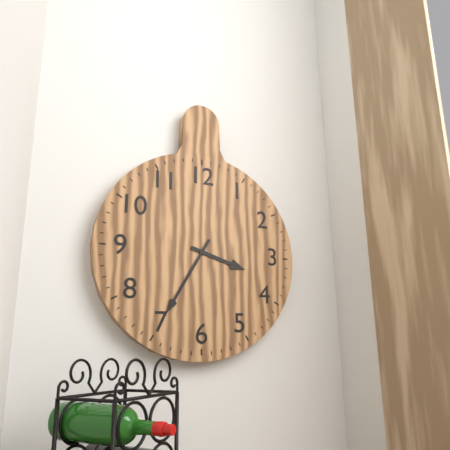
**3:35**
